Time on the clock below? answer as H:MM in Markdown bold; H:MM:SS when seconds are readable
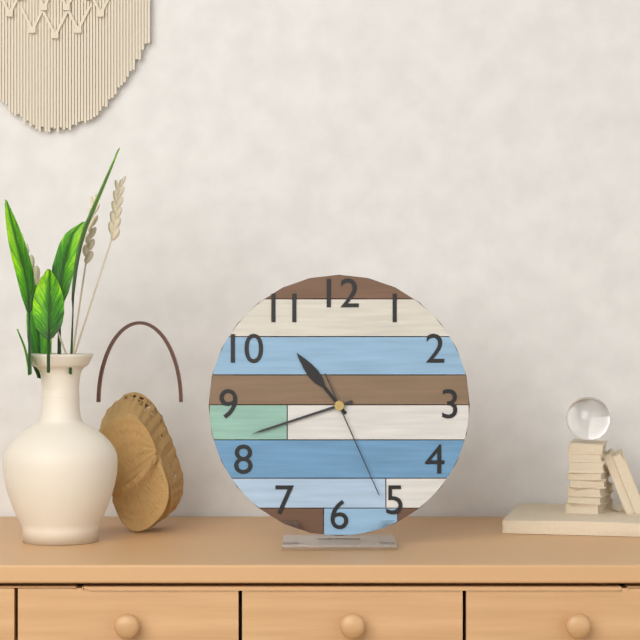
**10:42:26**
